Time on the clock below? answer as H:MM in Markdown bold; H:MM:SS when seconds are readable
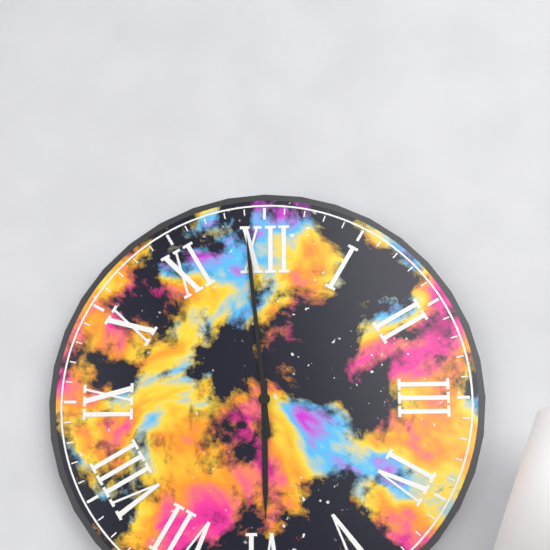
**5:59**
